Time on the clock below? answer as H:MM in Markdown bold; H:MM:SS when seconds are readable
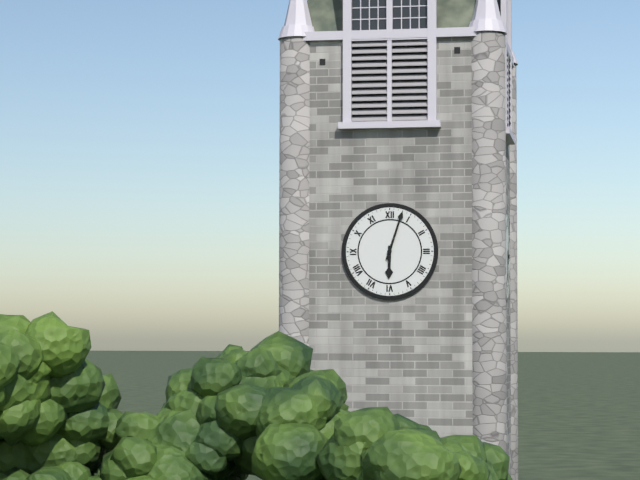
**6:03**
